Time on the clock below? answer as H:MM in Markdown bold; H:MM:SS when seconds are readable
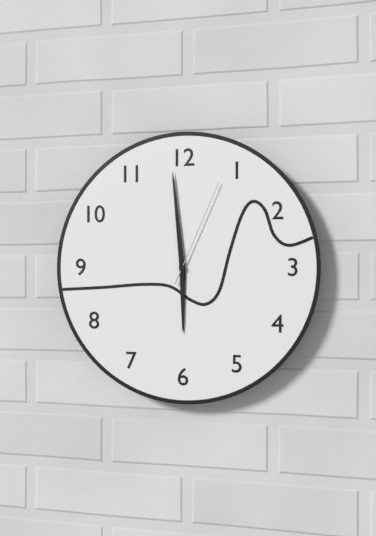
**5:59:04**
